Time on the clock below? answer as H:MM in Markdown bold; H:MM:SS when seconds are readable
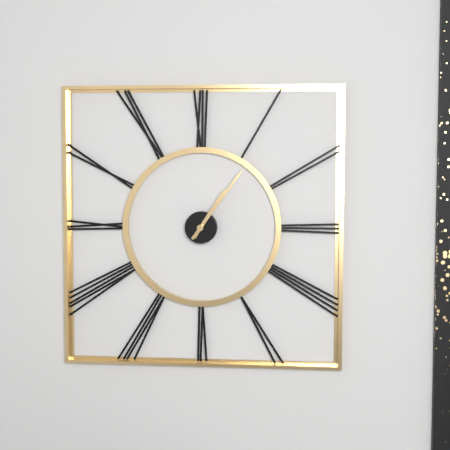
**1:06**
